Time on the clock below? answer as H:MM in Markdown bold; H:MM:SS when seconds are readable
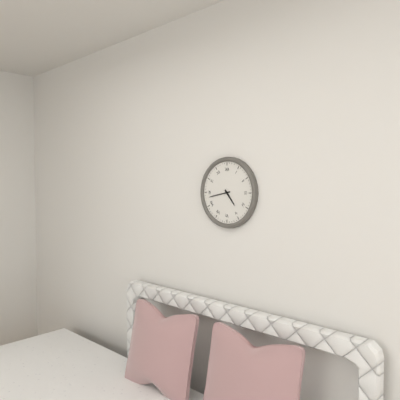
**4:43**
